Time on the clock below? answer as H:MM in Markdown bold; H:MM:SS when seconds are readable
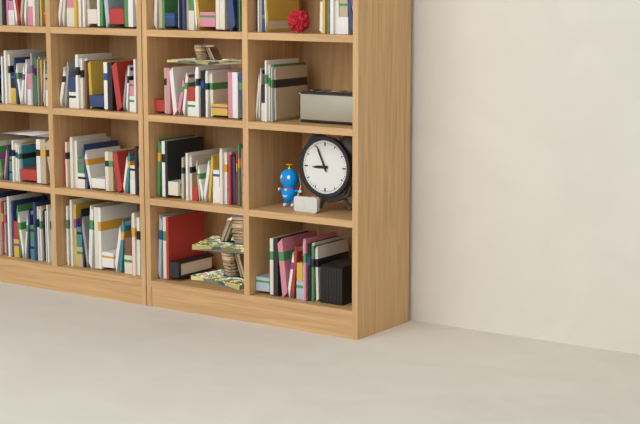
**8:56**
